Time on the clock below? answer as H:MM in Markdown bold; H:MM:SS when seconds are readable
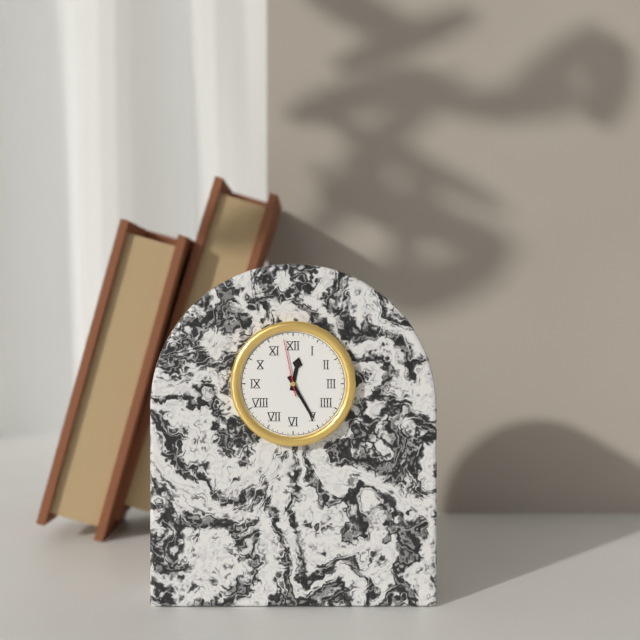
**12:25:58**
